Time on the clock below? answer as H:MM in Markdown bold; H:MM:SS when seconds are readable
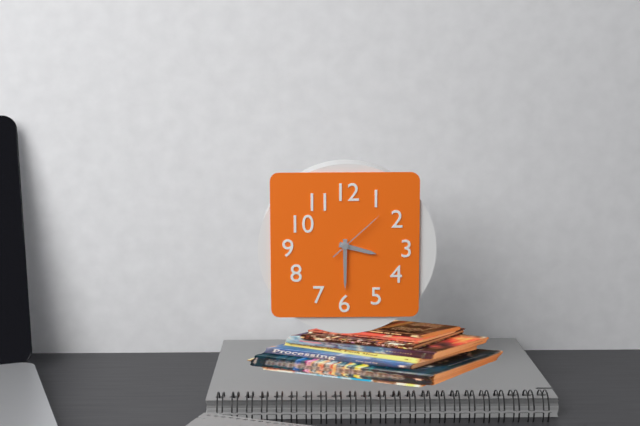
**3:30:08**
